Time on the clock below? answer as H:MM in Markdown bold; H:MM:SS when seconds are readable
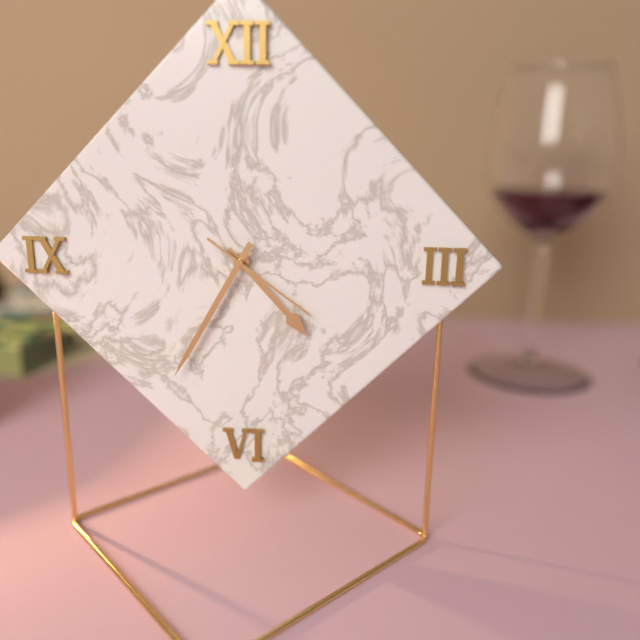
**4:35:21**
